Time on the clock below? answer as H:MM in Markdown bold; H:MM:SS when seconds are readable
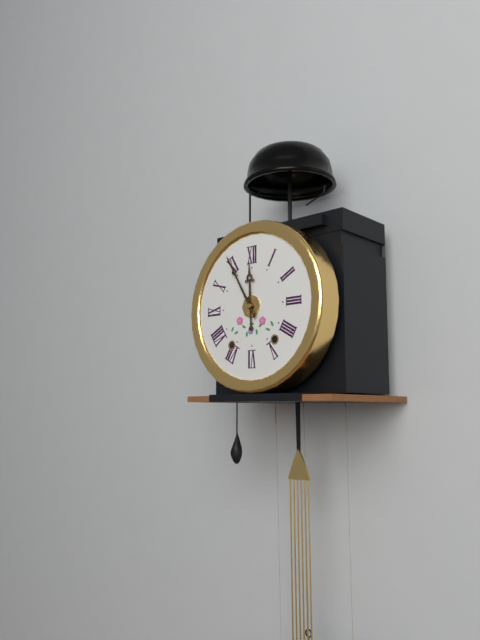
**11:55**
